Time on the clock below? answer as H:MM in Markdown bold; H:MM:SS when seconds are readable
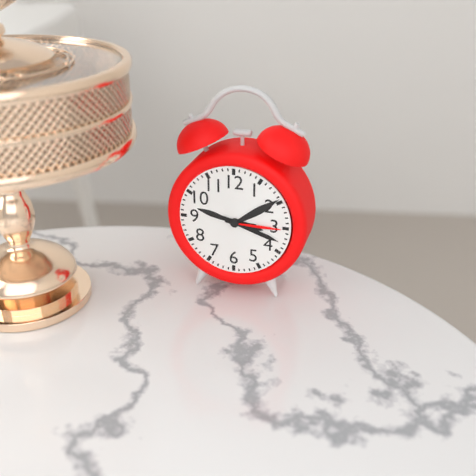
**3:18**
